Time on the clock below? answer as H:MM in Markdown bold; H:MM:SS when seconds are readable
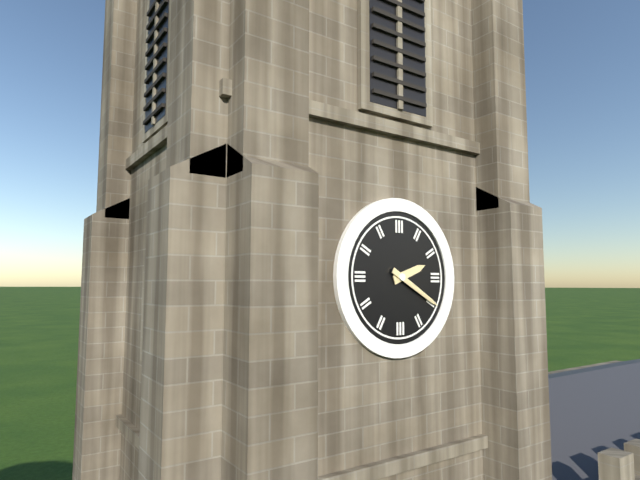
**2:20**
